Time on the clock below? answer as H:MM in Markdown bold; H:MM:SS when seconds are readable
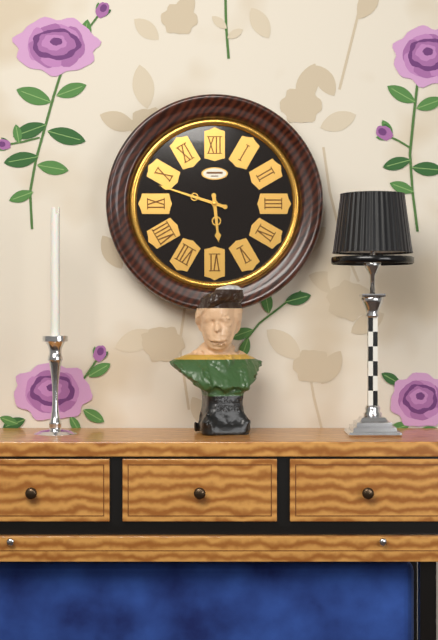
**5:48**
